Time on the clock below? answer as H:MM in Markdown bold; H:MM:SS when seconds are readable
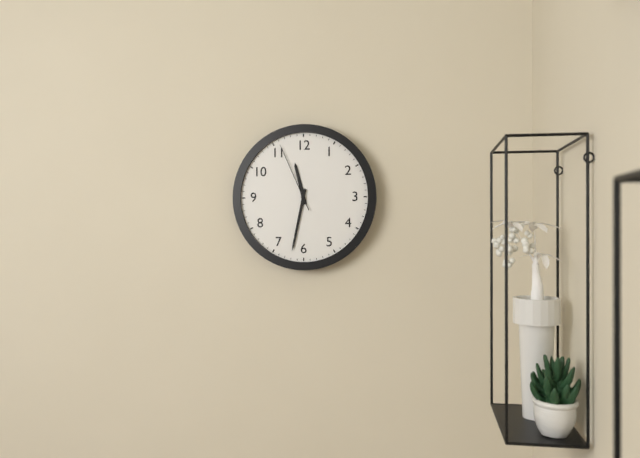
**11:32:56**
